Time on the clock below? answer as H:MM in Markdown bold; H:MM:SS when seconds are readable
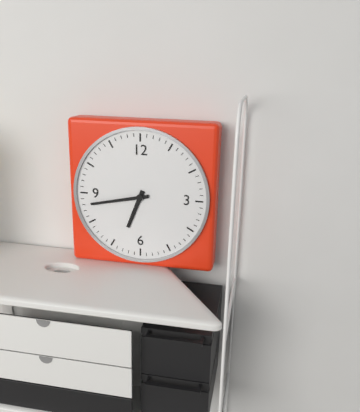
**6:43**
